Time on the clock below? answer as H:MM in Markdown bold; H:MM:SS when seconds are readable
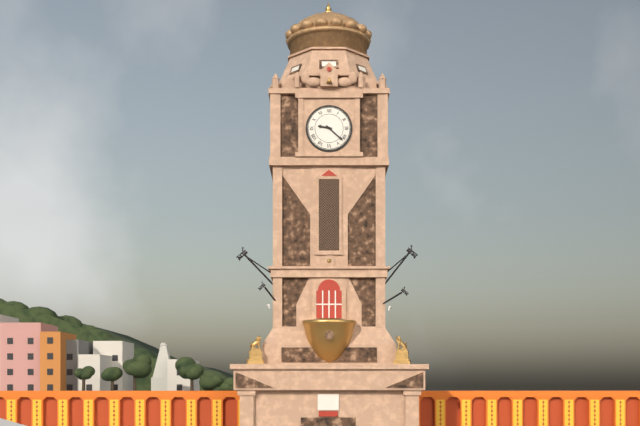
**9:22**
